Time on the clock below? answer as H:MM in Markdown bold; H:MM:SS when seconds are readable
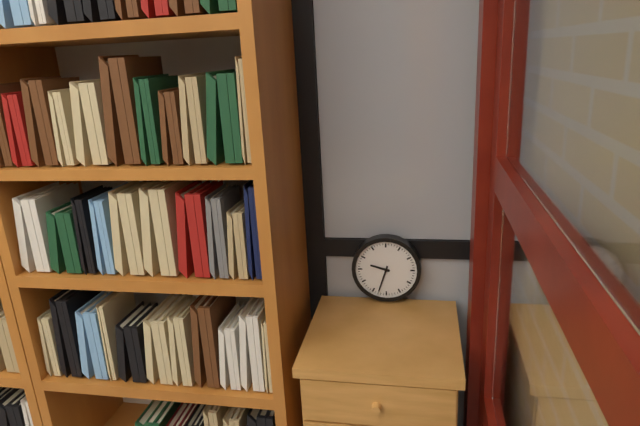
**9:33**
